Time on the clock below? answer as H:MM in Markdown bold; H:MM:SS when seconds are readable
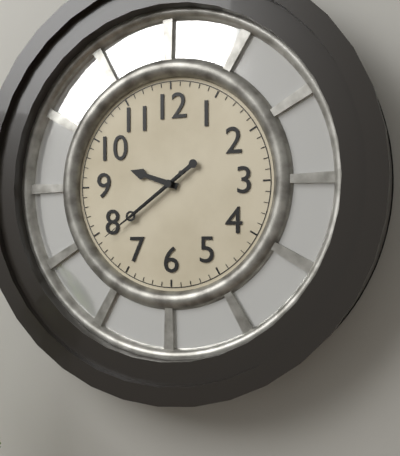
**9:39:39**
